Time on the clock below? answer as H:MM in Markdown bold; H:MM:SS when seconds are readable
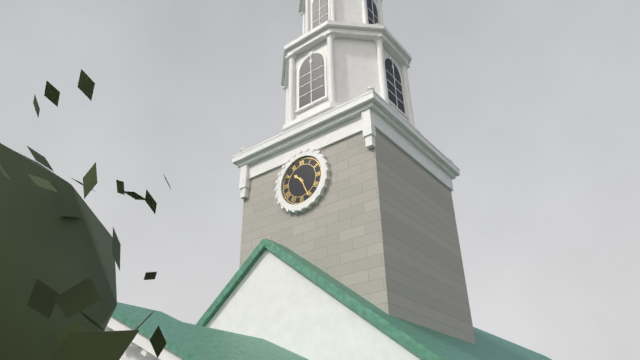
**10:26**
